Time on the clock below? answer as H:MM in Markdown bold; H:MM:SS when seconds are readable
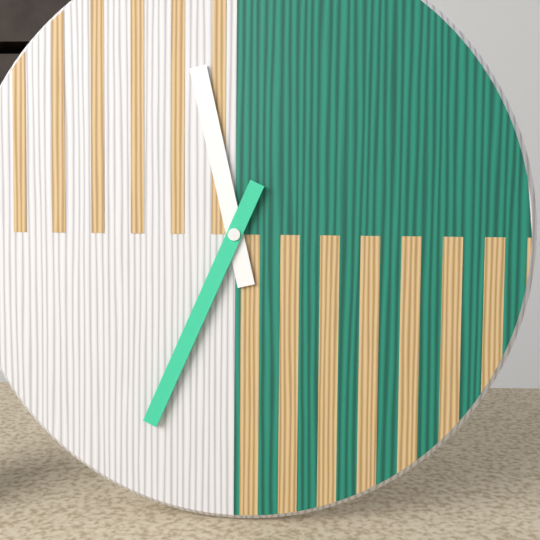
**11:34**
